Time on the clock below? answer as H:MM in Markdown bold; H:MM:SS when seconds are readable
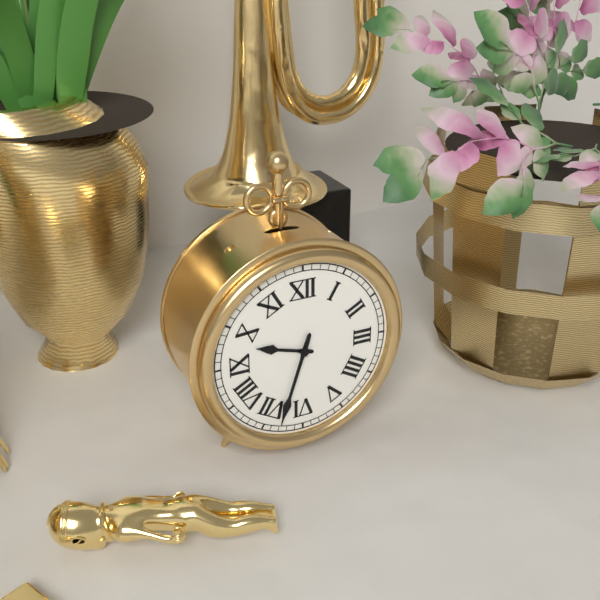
**9:33**
